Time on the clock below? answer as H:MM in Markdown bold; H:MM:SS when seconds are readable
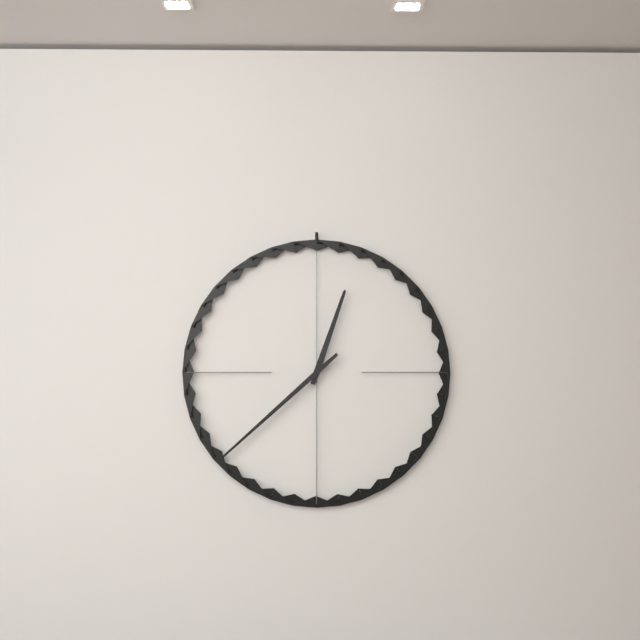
**12:38**
